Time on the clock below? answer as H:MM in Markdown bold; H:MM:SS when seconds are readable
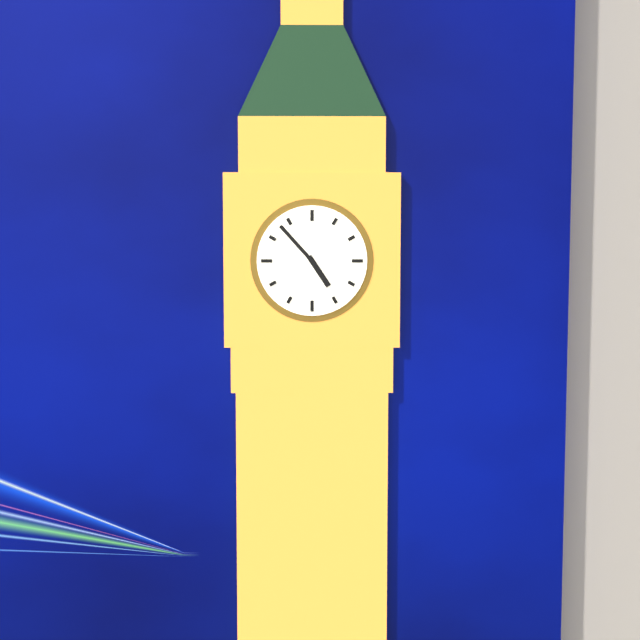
**4:53**
